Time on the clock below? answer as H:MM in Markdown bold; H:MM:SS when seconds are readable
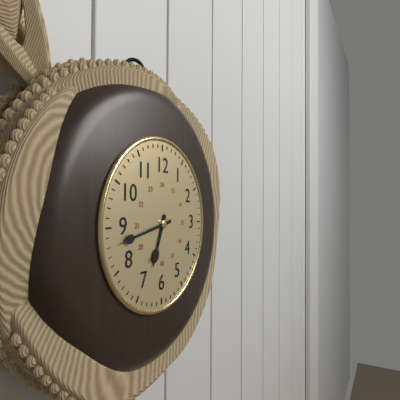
**6:43**
